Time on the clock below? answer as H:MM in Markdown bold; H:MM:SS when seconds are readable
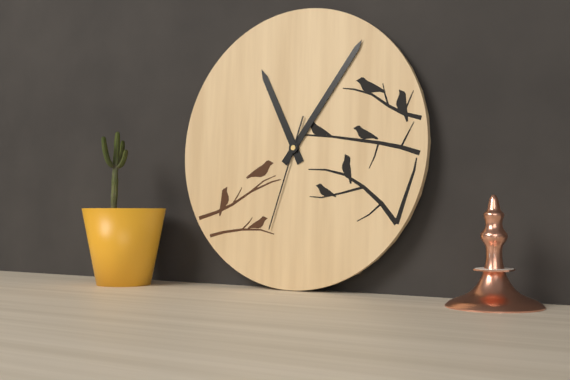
**11:06:33**
